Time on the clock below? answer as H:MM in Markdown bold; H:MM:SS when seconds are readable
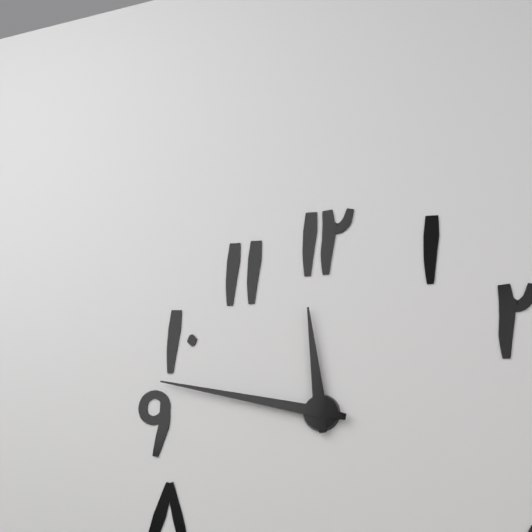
**11:47**
